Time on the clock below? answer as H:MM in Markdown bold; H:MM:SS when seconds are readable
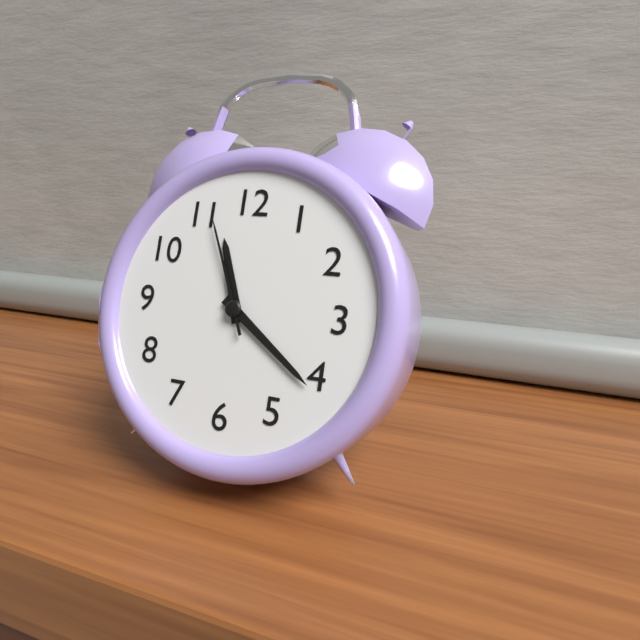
**11:21:56**
